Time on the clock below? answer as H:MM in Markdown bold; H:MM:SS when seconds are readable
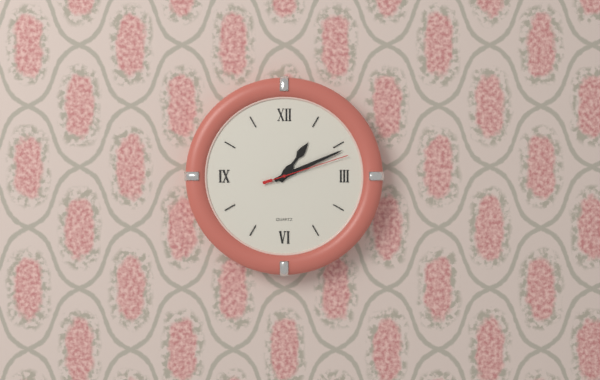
**1:11:12**
